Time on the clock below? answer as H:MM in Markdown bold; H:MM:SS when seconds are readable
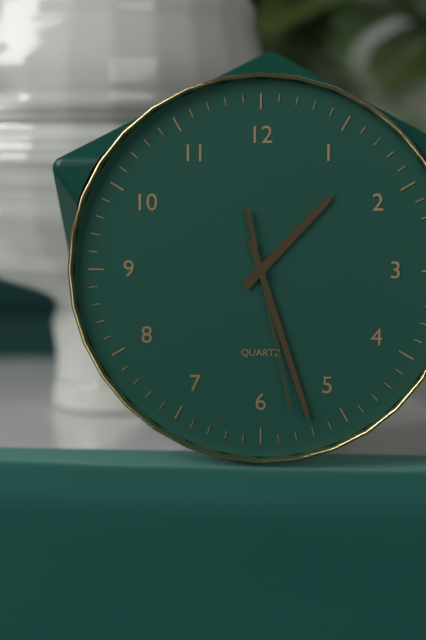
**1:27:28**
